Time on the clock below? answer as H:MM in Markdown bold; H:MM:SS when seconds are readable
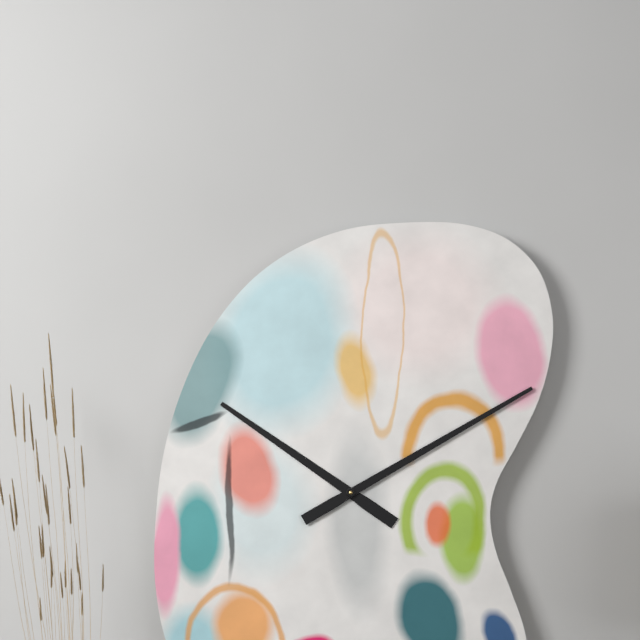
**10:10**
